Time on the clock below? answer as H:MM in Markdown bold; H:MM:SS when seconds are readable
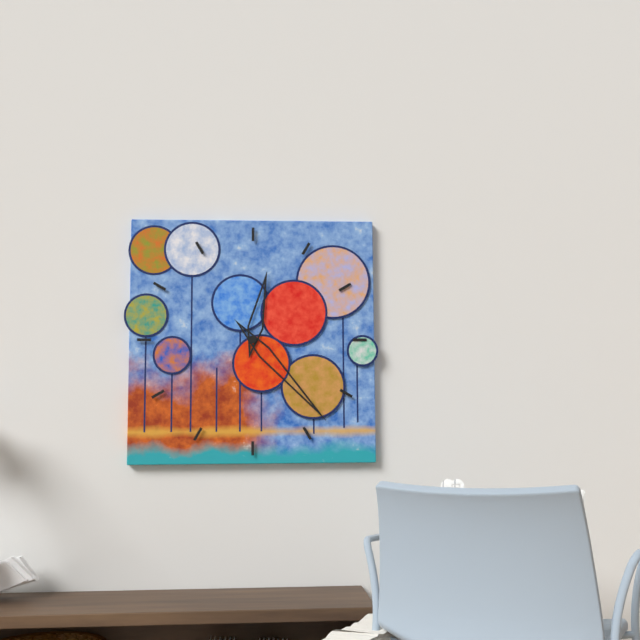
**12:23**
